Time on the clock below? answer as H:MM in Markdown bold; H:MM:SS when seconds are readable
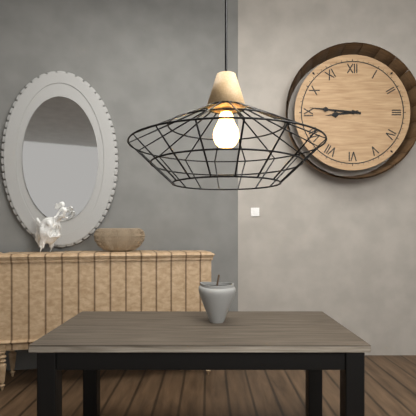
**8:46**
